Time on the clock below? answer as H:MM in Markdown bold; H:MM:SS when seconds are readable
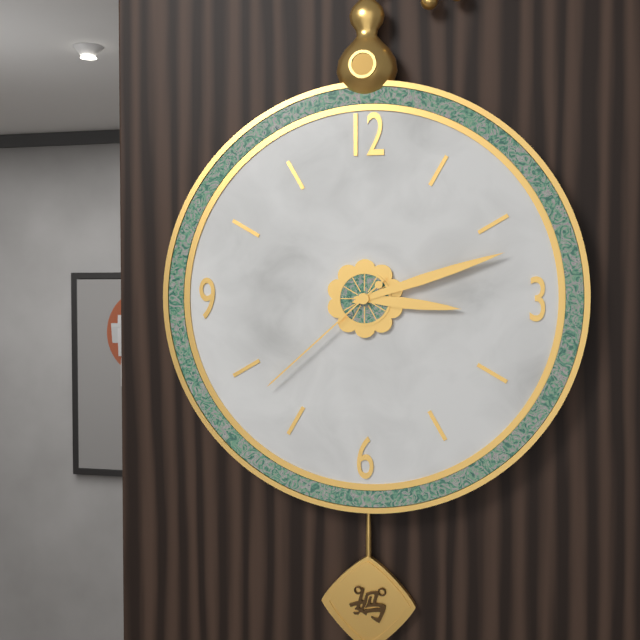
**3:12:38**
